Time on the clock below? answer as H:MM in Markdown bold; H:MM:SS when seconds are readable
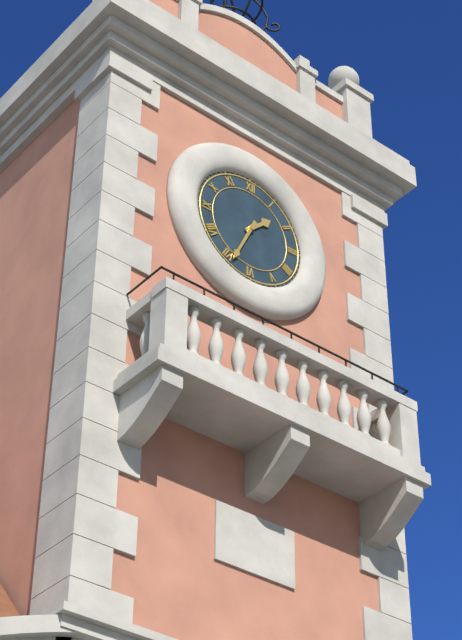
**1:34**
